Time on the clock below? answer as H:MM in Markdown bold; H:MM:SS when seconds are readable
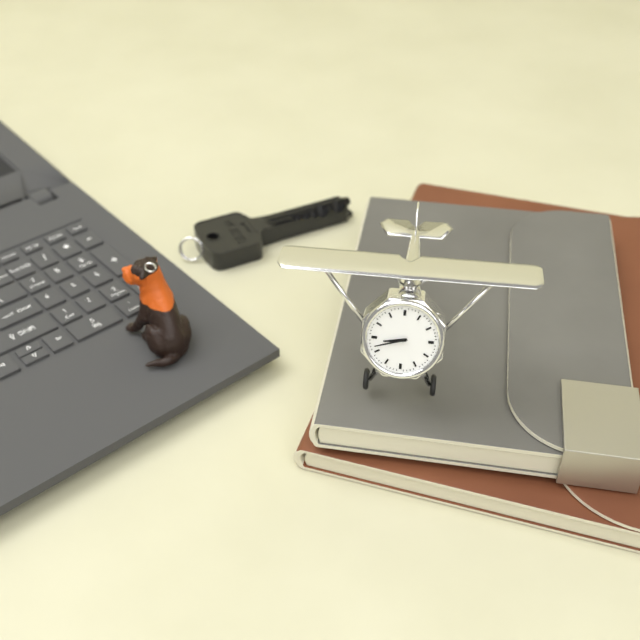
**8:42**
